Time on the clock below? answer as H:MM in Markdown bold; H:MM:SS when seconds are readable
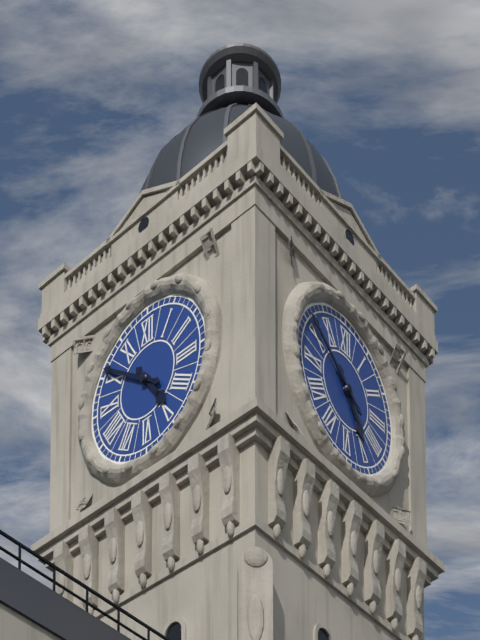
**4:51**
